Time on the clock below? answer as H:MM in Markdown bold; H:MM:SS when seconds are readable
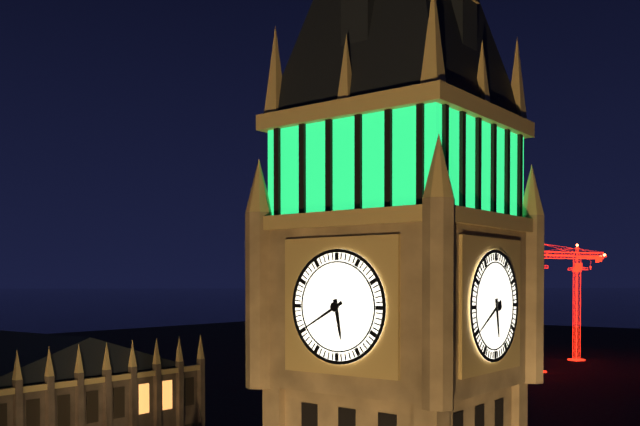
**5:40**
